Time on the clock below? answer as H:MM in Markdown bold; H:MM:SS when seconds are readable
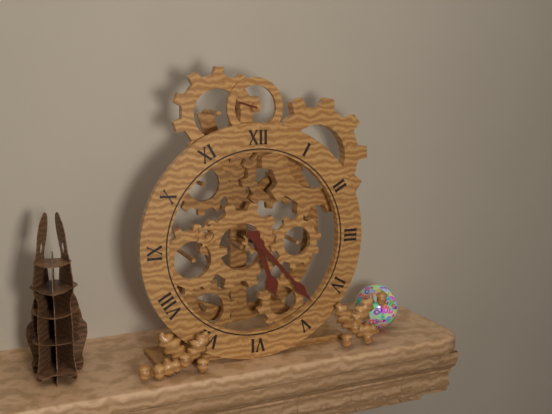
**5:23**
